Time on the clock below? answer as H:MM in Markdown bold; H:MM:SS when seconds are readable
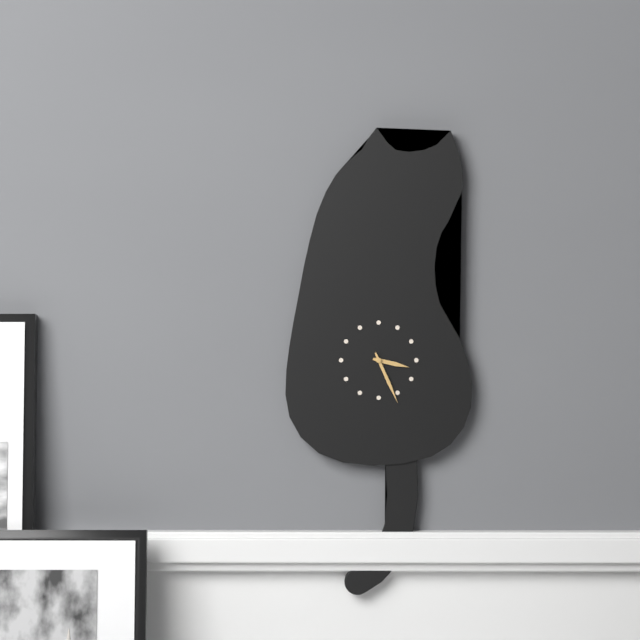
**3:26**
